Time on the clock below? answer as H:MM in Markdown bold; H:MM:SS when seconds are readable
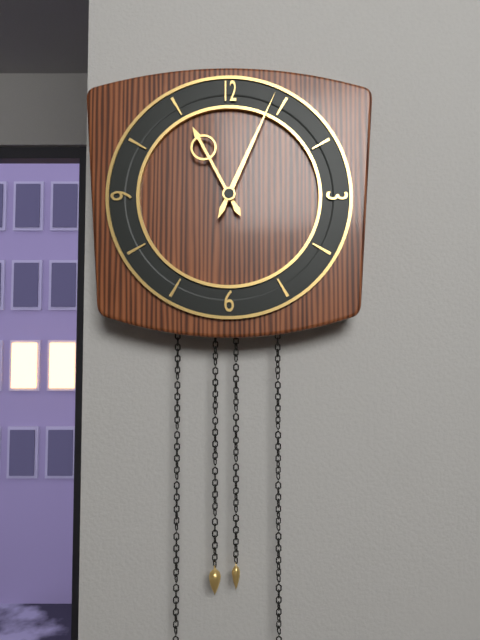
**11:04**
